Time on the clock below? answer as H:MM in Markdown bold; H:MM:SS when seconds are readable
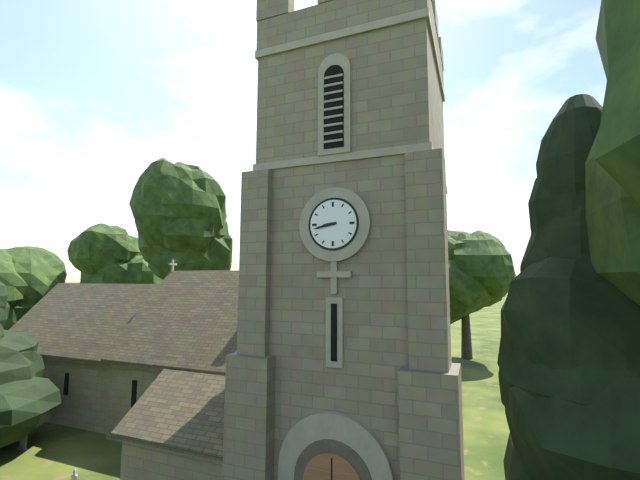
**8:43**
